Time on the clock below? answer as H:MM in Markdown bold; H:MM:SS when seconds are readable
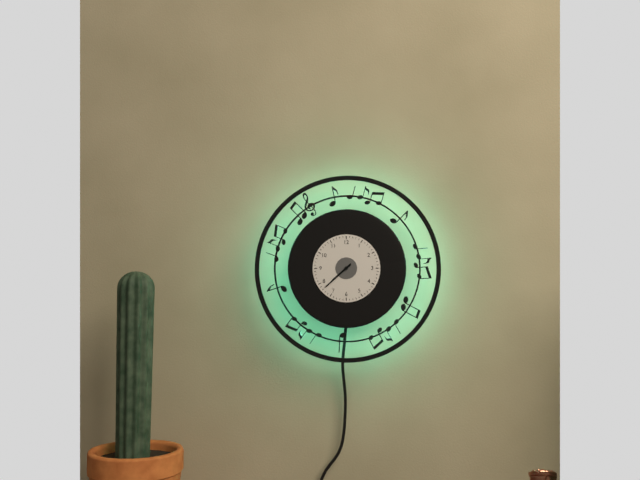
**7:38**
